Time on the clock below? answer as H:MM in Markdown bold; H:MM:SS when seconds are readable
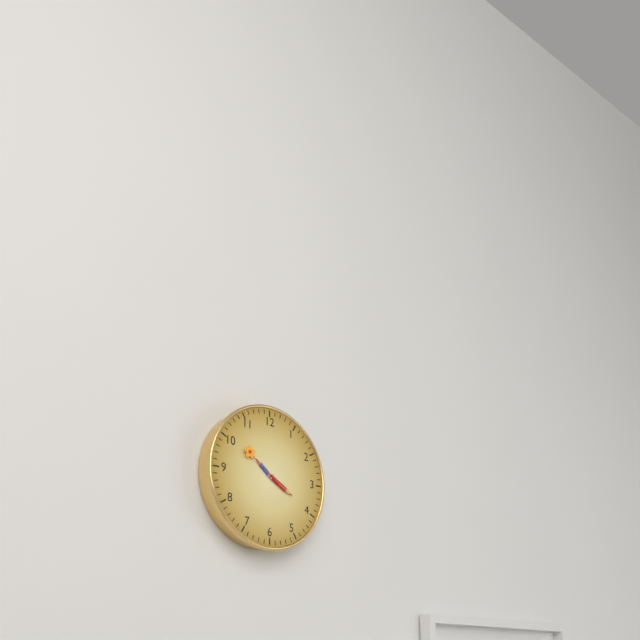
**10:20**
